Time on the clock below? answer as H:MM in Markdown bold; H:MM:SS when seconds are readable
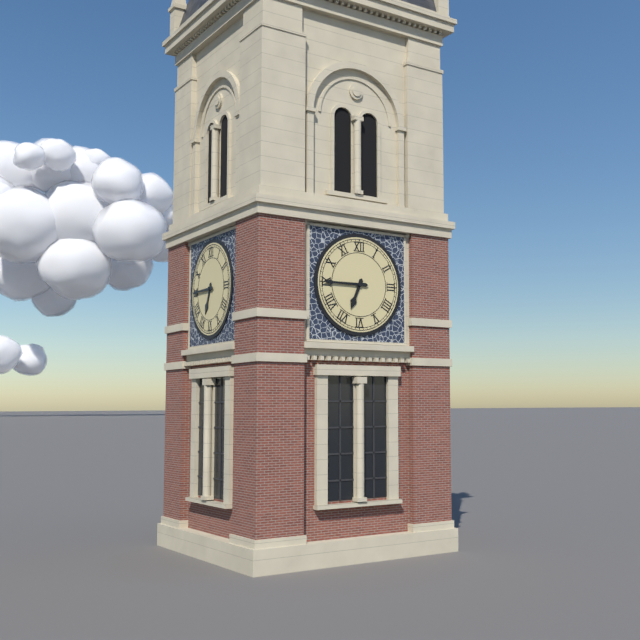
**6:45**
